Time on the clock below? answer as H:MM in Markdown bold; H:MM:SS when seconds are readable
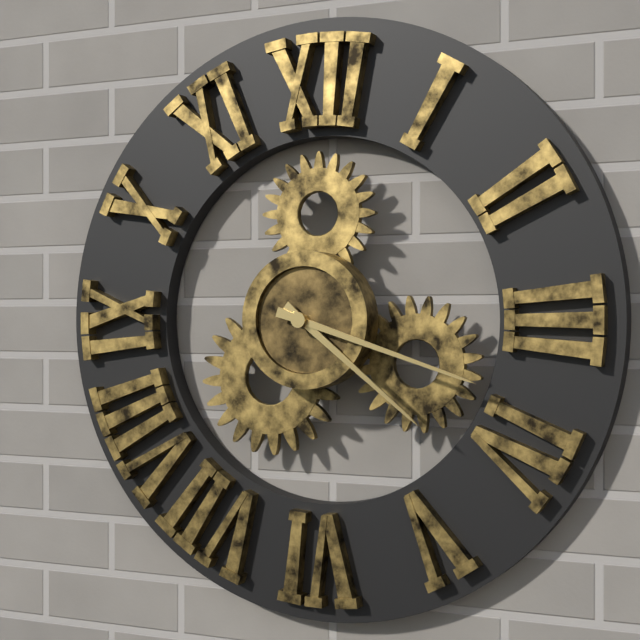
**4:18**
